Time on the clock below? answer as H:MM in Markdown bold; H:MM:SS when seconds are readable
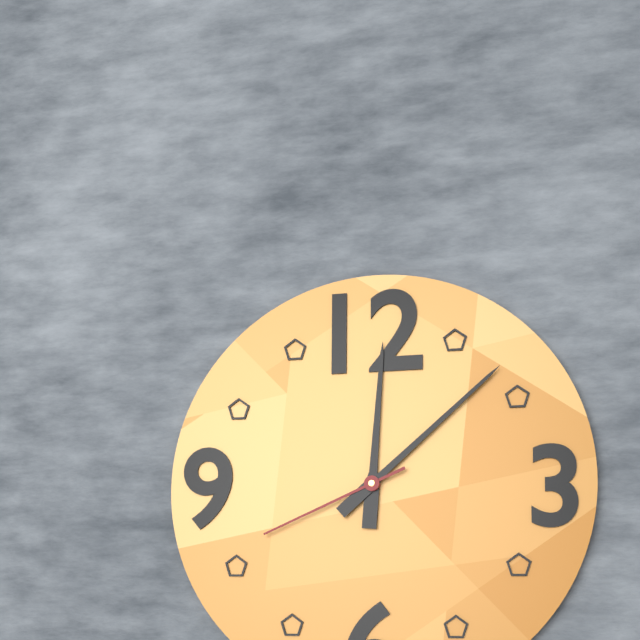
**12:08:41**
